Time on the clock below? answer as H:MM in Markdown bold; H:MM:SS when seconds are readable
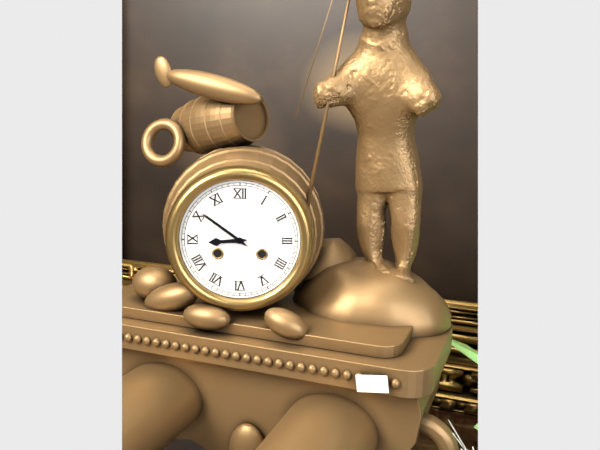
**8:51**
